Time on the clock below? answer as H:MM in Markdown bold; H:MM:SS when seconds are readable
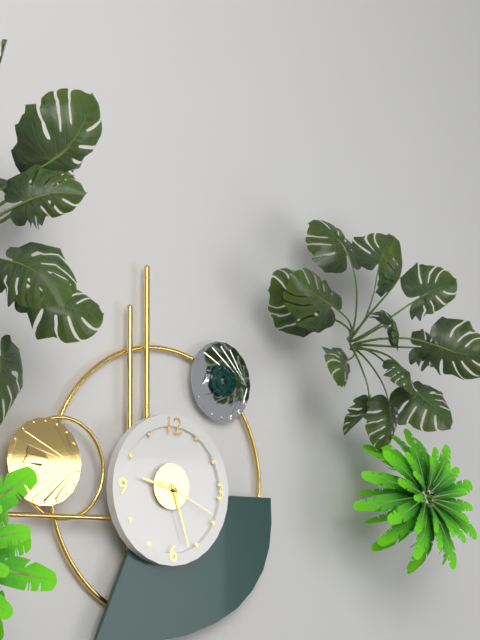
**9:27:19**
